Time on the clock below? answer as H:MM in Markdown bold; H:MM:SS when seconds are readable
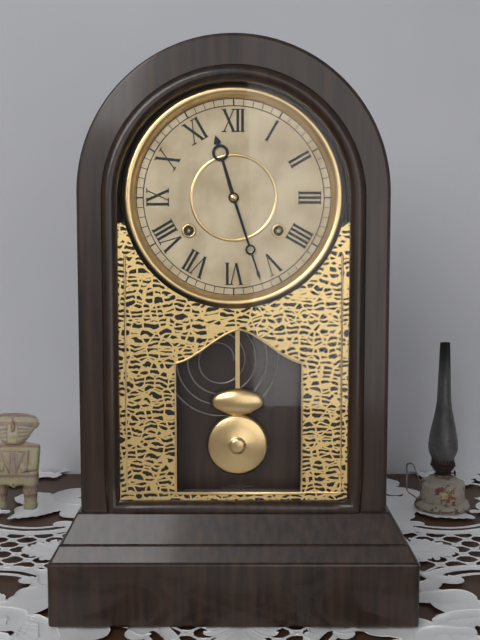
**11:27**
